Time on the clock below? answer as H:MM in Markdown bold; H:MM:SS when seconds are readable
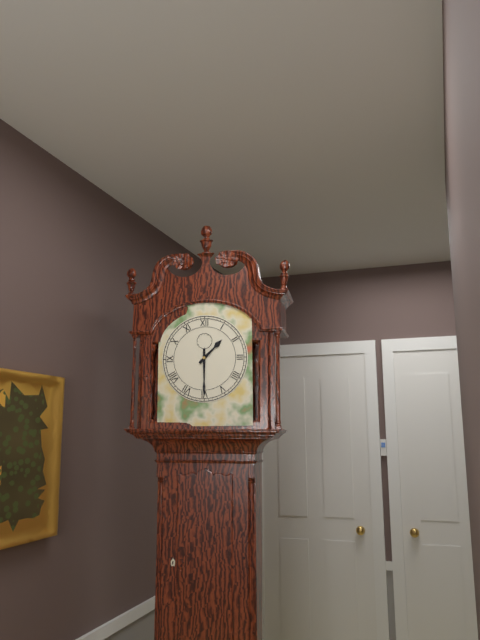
**1:30**
